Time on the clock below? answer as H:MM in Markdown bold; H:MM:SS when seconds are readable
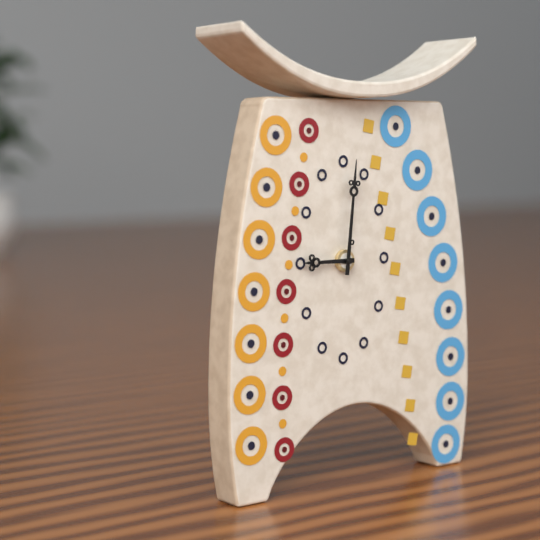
**9:01**
